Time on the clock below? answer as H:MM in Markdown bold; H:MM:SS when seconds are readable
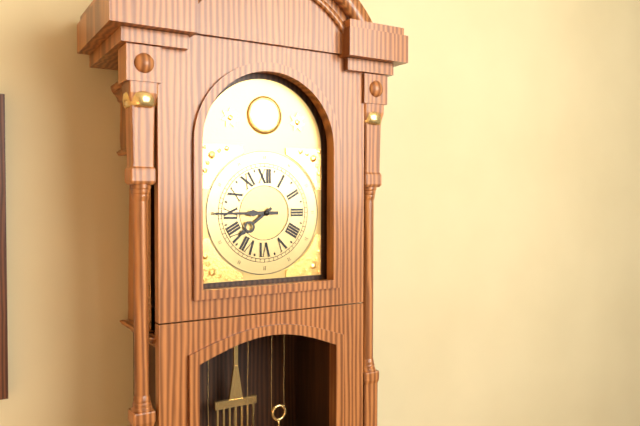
**7:45**
